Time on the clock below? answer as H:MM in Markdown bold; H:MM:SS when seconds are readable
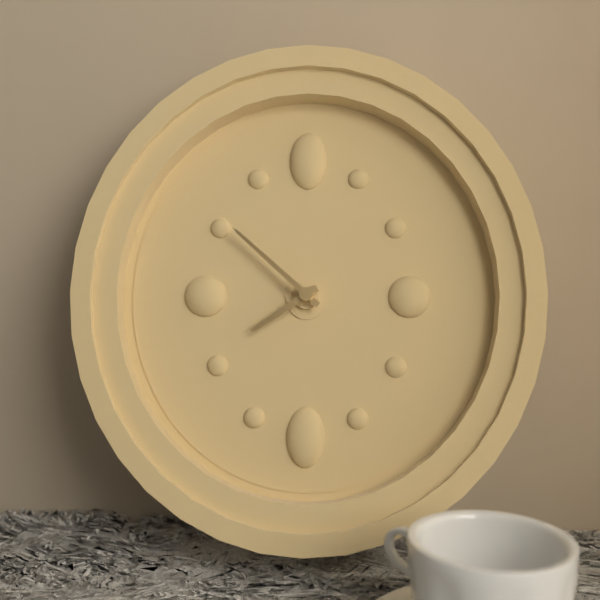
**7:52**
